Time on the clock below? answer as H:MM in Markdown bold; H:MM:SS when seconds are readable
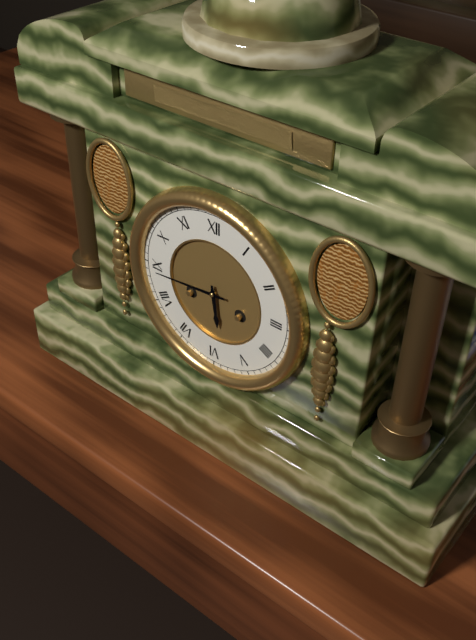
**5:44**
